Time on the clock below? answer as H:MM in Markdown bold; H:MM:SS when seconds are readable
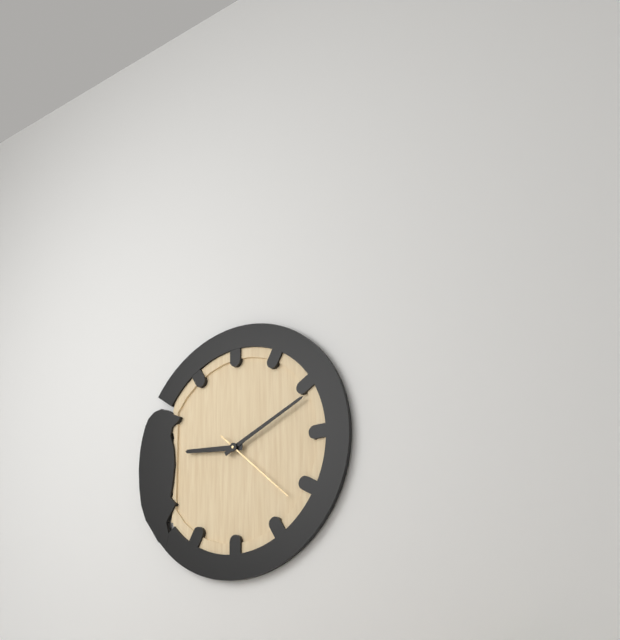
**9:11:22**
